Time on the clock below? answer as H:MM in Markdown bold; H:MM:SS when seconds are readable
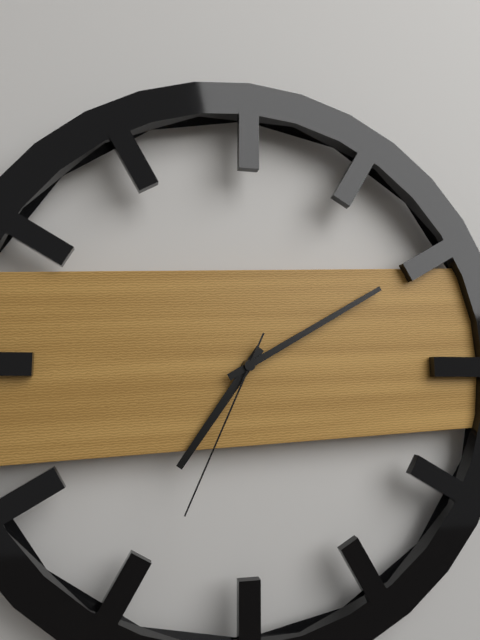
**7:10:34**
